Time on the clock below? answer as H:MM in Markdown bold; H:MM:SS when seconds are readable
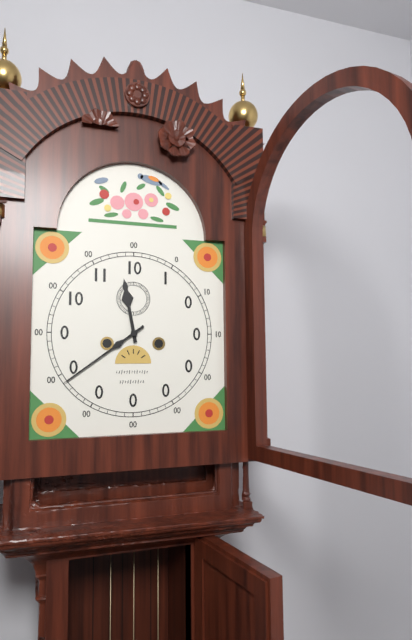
**11:39**
